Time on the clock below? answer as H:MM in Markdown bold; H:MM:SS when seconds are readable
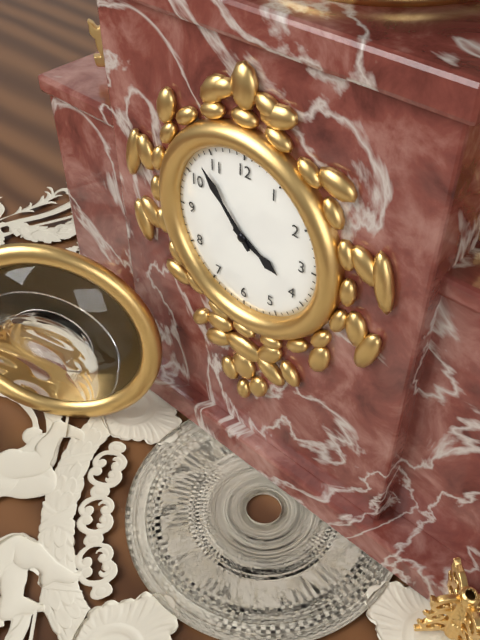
**3:53**
